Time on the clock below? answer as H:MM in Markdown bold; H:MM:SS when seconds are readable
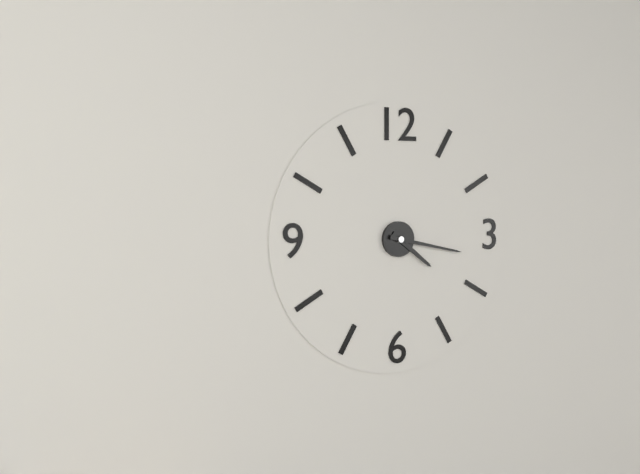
**4:17**
